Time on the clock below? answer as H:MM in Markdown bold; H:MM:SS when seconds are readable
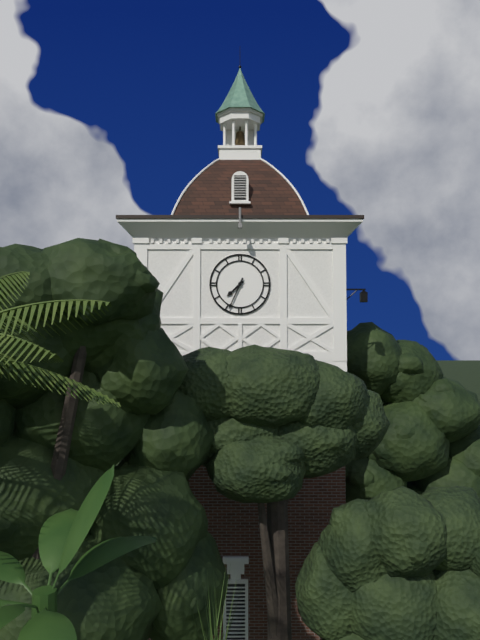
**7:34**
